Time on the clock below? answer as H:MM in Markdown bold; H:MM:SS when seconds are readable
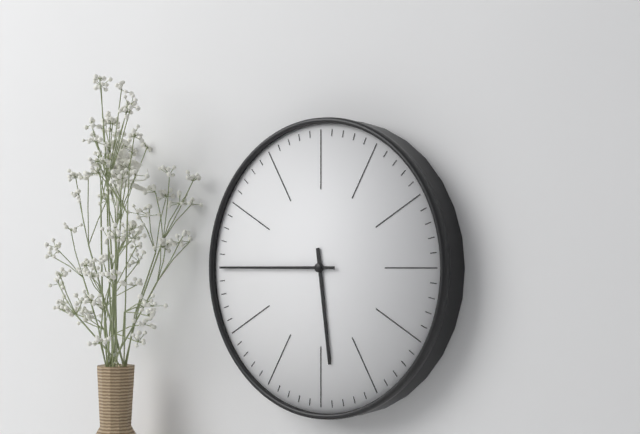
**5:45**
